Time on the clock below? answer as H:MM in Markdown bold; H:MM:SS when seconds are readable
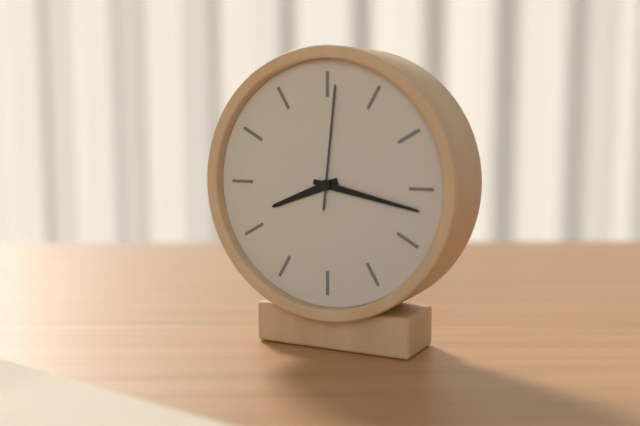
**8:17:01**
